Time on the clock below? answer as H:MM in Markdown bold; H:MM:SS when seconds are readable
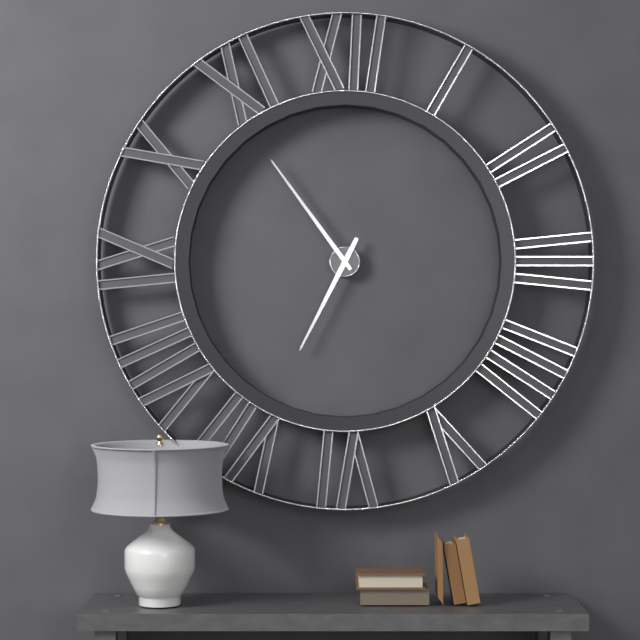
**6:54**
